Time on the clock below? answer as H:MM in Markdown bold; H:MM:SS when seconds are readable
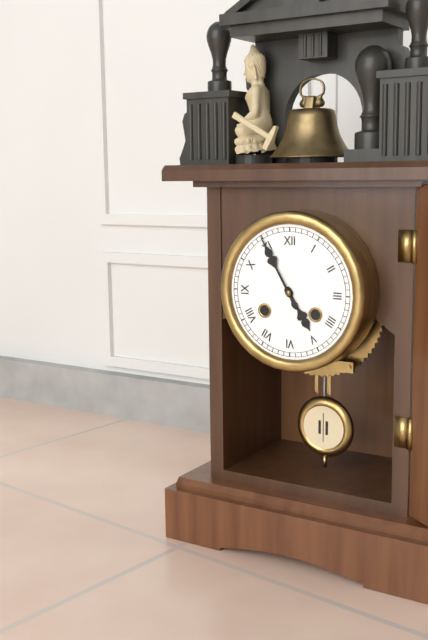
**4:55**
